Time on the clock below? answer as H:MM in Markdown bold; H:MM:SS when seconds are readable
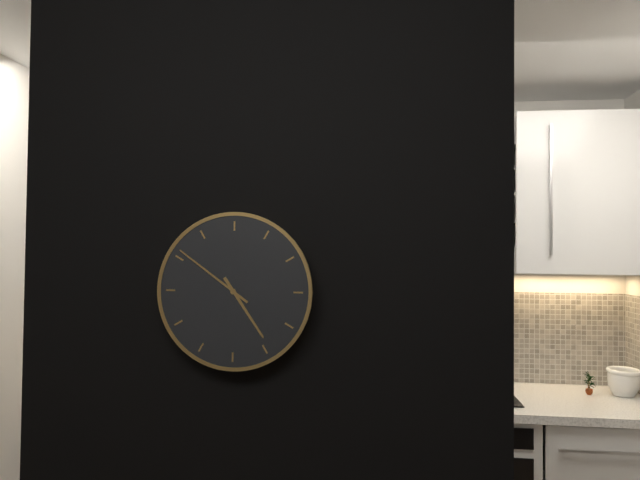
**4:51**
